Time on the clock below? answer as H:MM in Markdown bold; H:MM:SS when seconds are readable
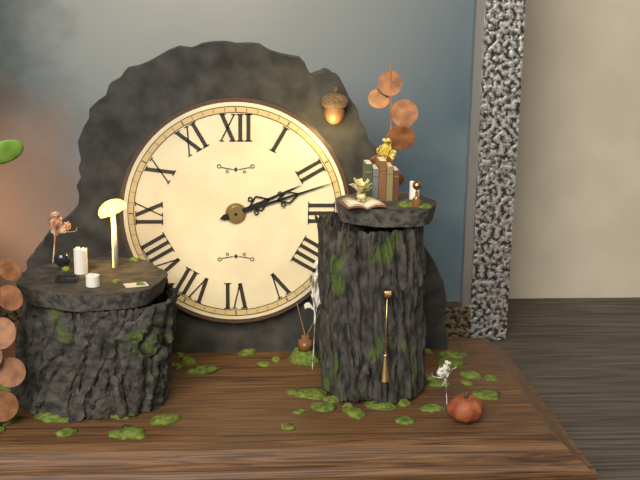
**2:12**
